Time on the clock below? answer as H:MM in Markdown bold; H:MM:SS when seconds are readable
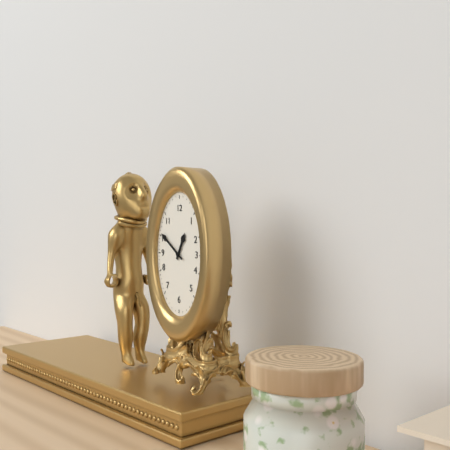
**12:51**
